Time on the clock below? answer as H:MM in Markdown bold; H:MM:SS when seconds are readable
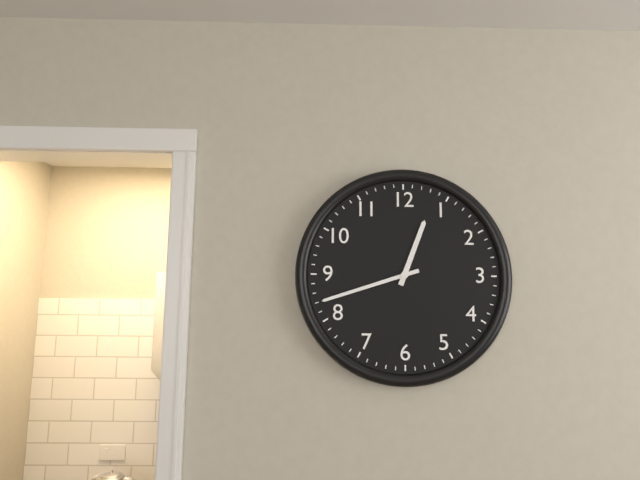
**12:42**
